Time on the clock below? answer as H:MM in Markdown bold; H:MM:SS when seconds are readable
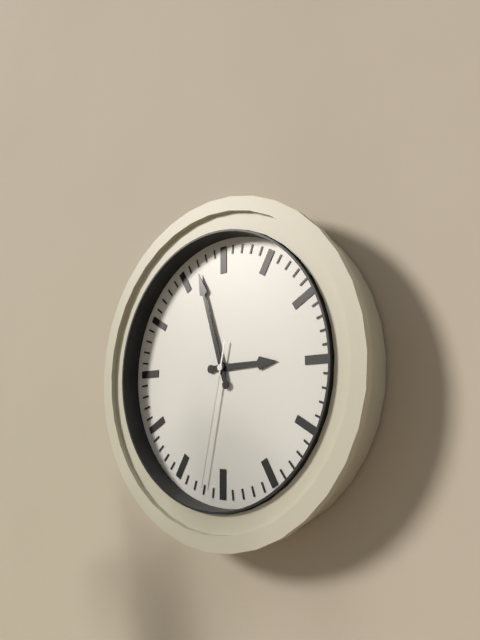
**2:57:32**
